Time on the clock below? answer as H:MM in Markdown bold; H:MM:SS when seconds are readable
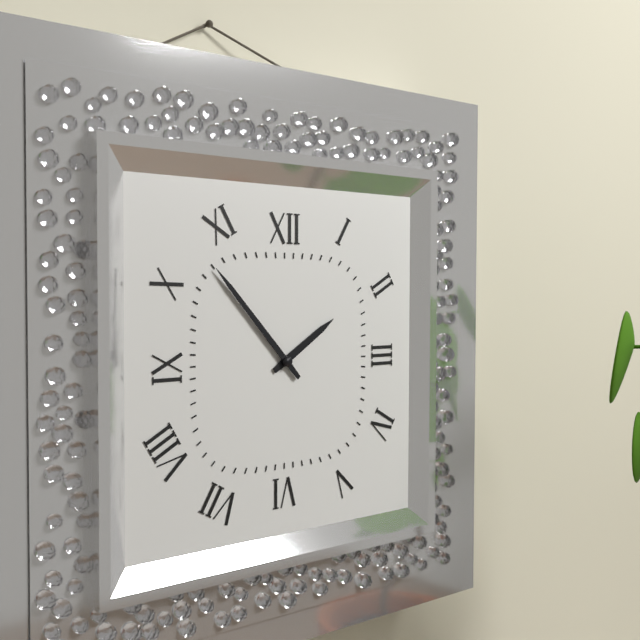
**1:53**
